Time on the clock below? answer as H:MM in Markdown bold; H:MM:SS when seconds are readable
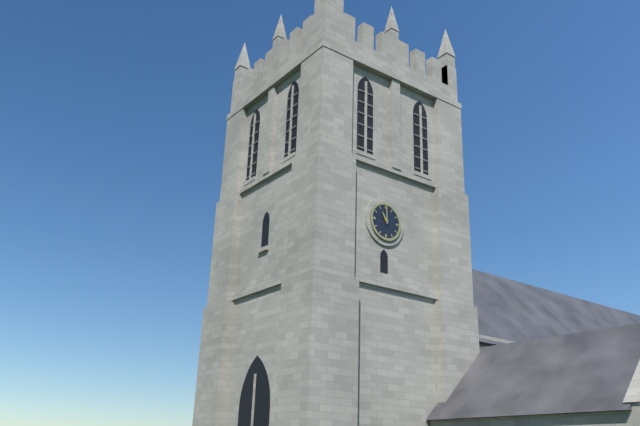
**11:00**
